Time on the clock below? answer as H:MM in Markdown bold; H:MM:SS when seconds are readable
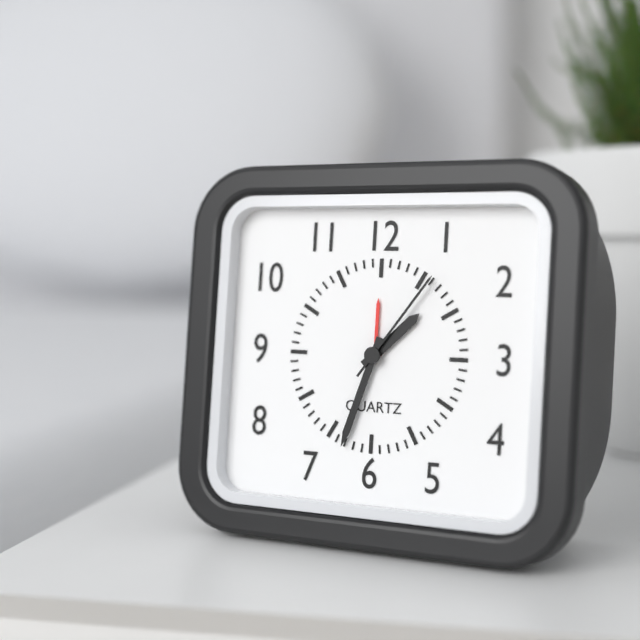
**1:33:06**
